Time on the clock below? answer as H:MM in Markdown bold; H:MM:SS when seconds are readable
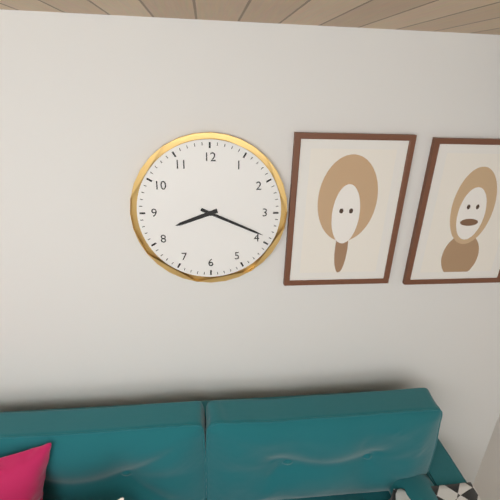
**8:19**
